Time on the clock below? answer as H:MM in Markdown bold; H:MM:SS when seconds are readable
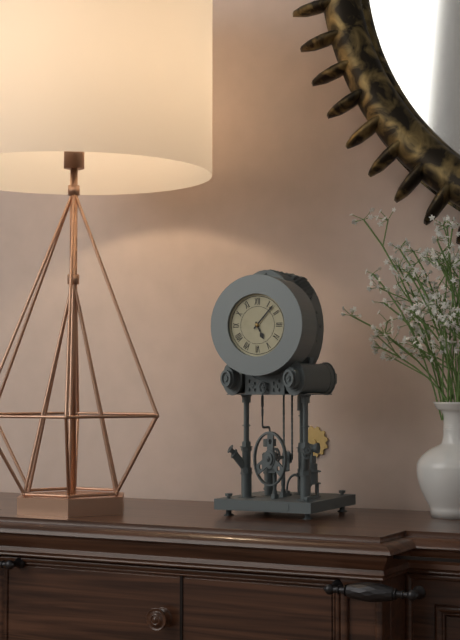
**5:07**
